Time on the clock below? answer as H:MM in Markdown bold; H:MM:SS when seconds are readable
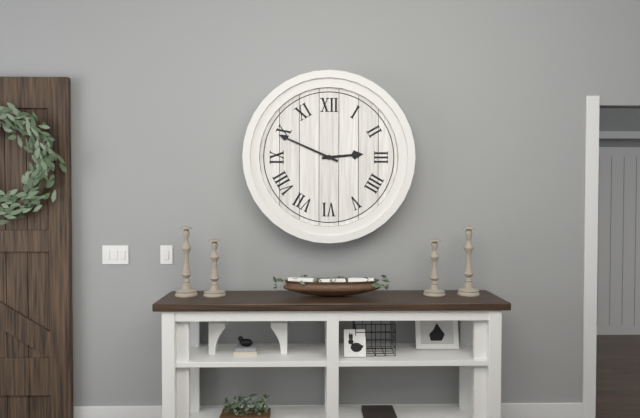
**2:49**
